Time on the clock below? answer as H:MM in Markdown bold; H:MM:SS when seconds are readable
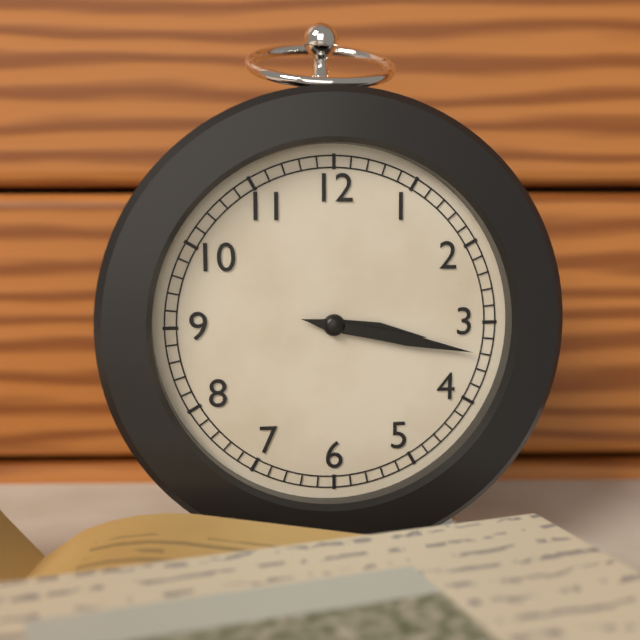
**3:17**
